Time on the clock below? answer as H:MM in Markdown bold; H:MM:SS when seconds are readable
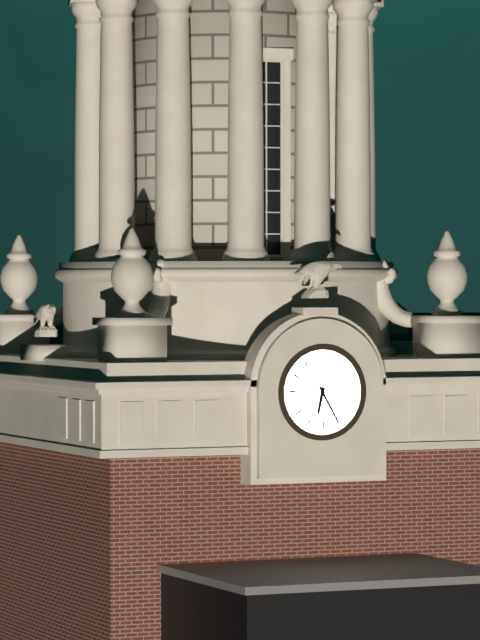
**6:25**
